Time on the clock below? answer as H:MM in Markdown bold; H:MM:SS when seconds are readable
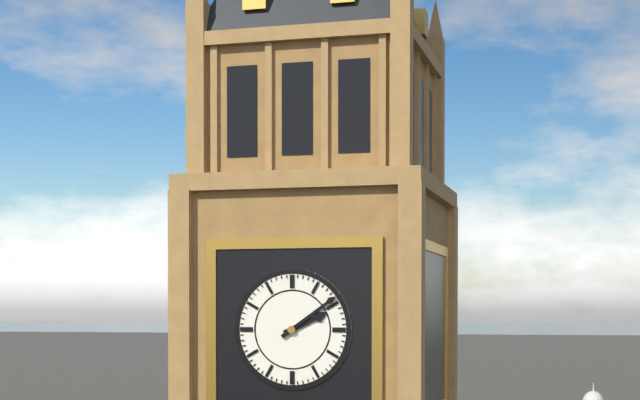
**2:09**
